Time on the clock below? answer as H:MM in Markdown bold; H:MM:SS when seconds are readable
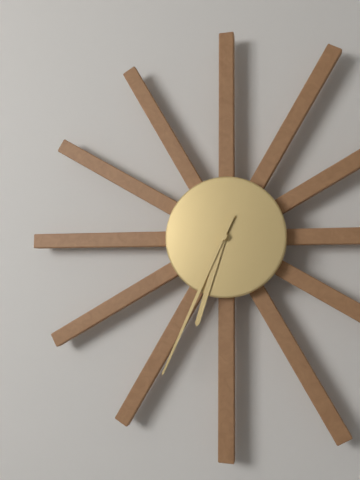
**6:34**
